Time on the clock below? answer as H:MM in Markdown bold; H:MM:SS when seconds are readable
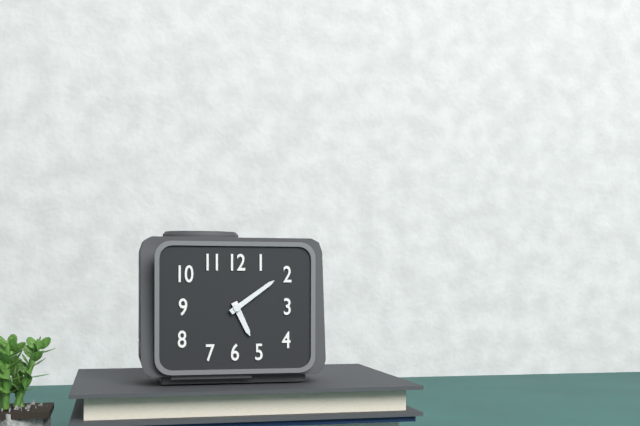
**5:09**
